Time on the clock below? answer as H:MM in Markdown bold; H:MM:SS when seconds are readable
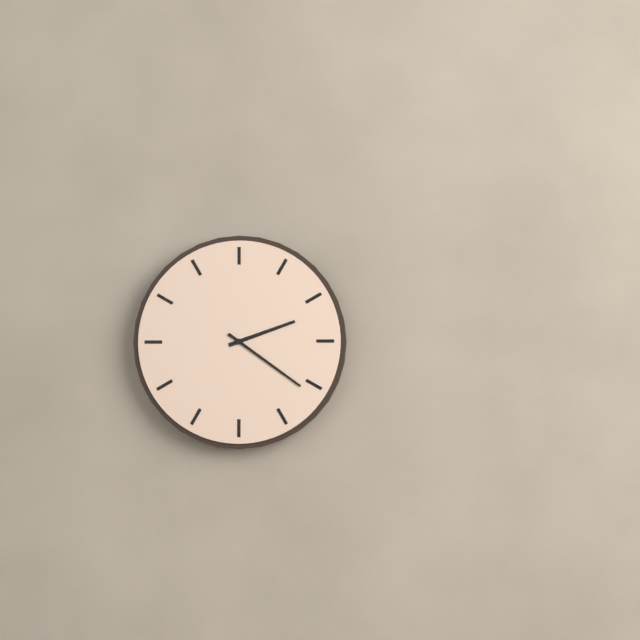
**2:21**
